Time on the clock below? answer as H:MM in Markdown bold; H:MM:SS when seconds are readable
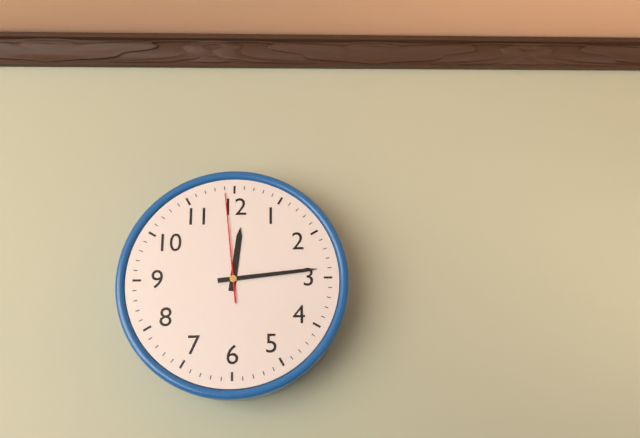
**12:14:59**
